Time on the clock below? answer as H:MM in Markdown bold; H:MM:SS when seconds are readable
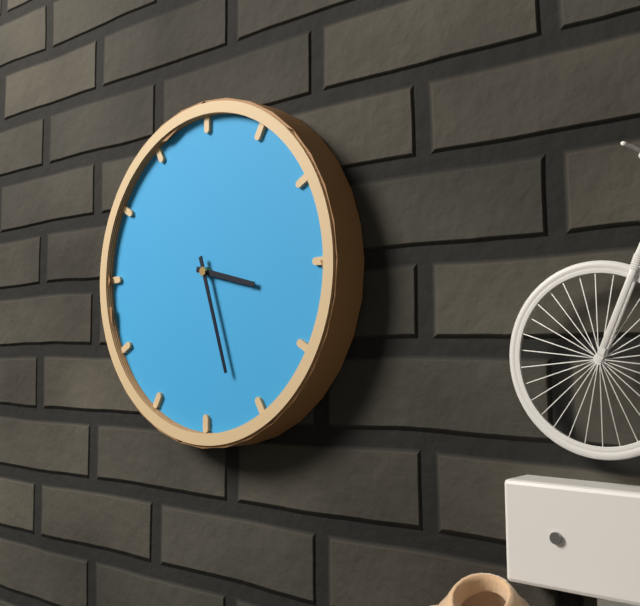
**3:27**
